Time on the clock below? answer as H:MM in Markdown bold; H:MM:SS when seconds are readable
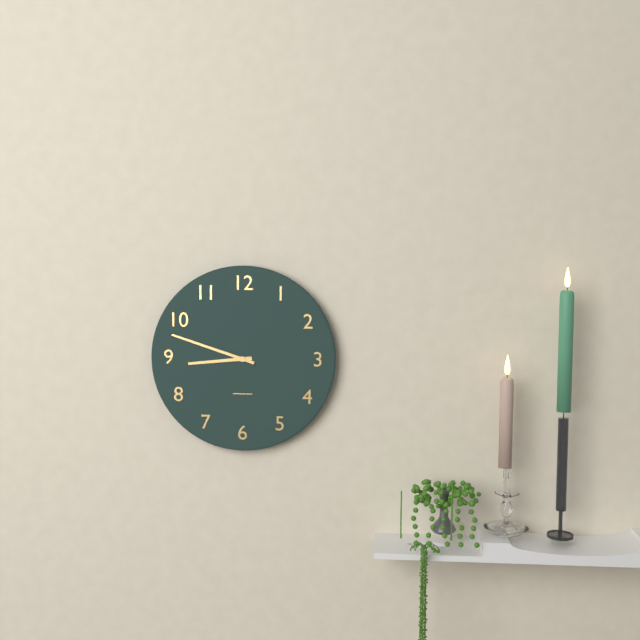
**8:48**
